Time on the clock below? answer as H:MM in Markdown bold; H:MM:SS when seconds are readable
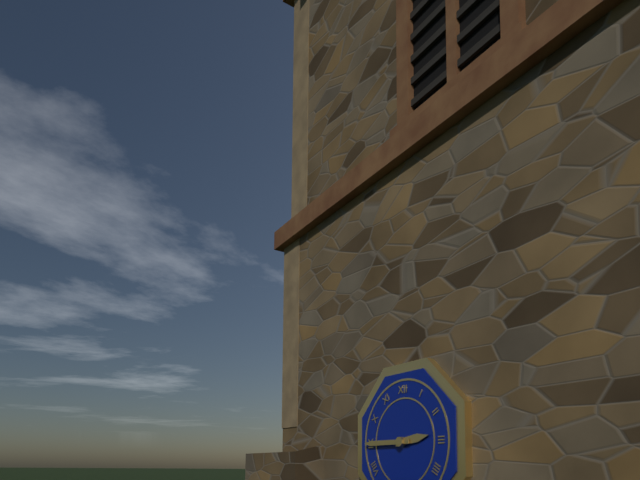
**2:45**
